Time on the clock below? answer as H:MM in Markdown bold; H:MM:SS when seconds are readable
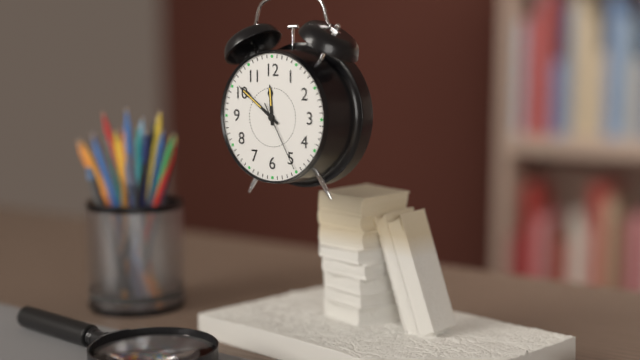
**11:51:25**
